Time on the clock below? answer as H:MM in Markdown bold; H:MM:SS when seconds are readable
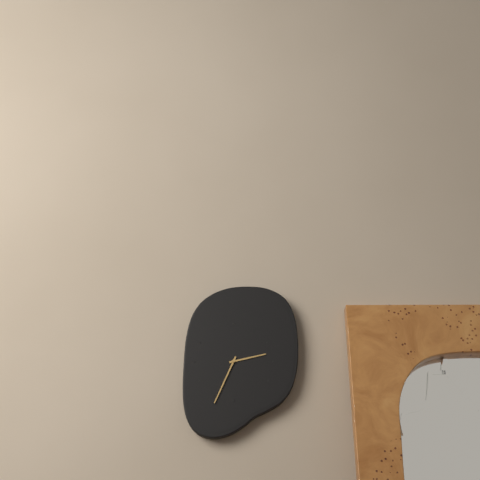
**2:34**
